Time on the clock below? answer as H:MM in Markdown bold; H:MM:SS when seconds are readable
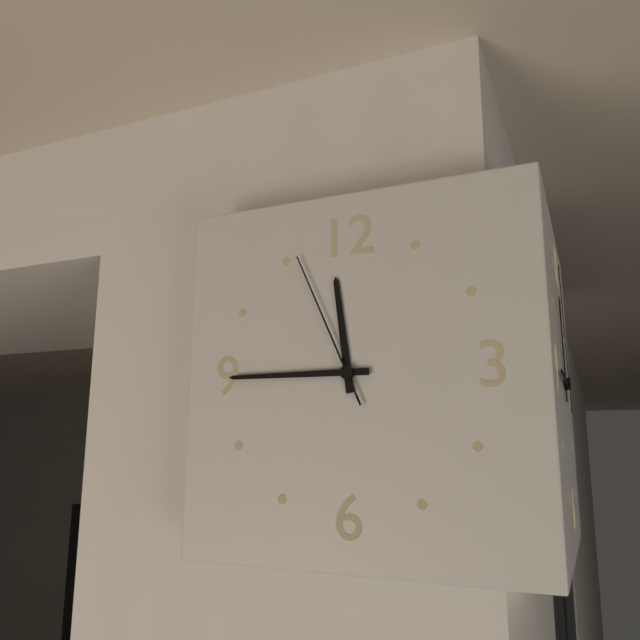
**11:45:56**
